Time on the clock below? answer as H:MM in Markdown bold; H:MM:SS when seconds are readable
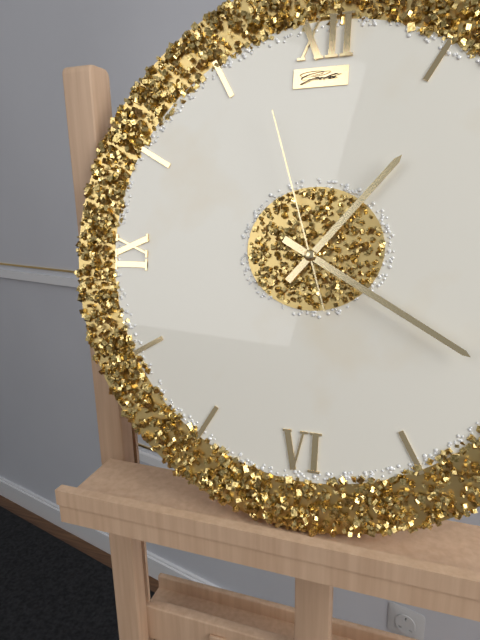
**1:20:57**
